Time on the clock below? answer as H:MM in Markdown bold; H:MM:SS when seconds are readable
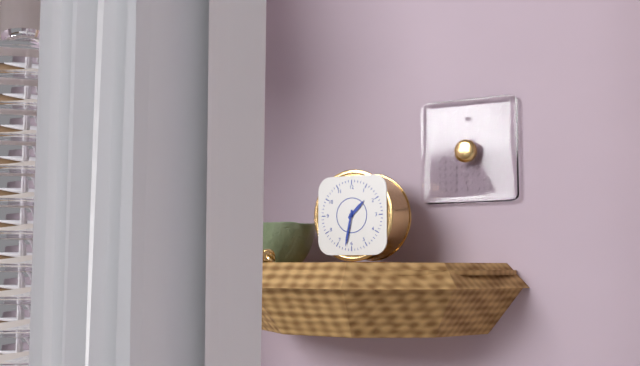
**1:32**
